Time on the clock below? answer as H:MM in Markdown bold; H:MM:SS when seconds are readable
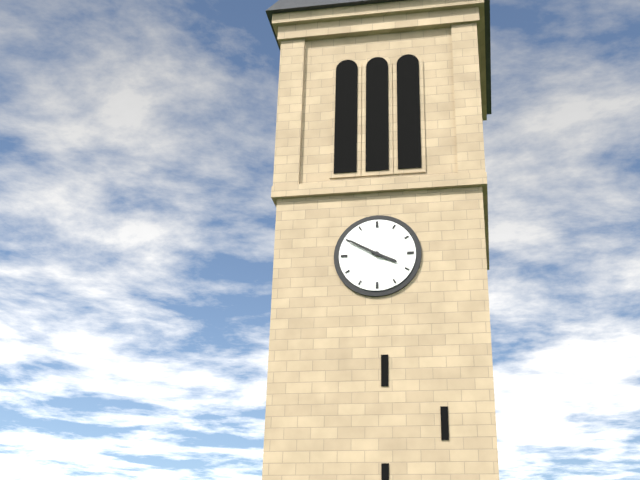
**3:50**
